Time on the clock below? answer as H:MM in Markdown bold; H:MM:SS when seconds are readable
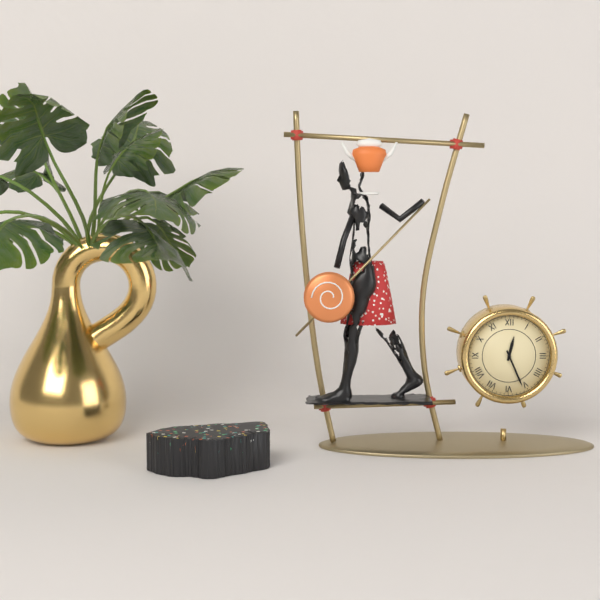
**12:26**
